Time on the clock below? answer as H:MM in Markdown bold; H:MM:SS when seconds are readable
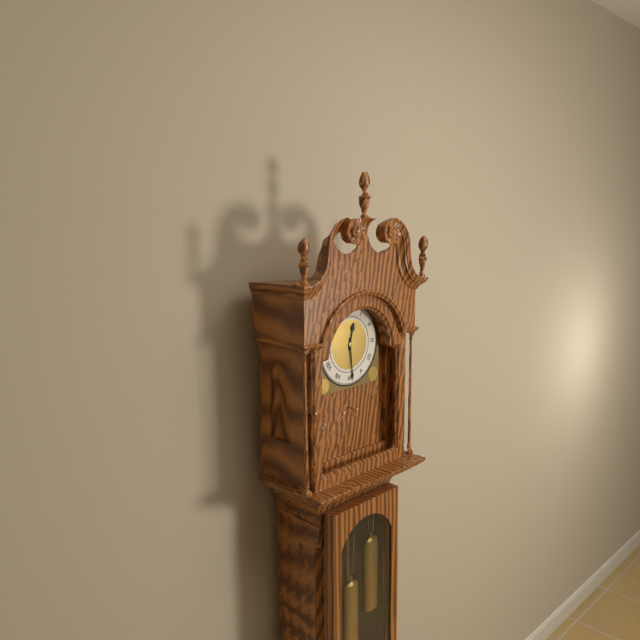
**12:29**
